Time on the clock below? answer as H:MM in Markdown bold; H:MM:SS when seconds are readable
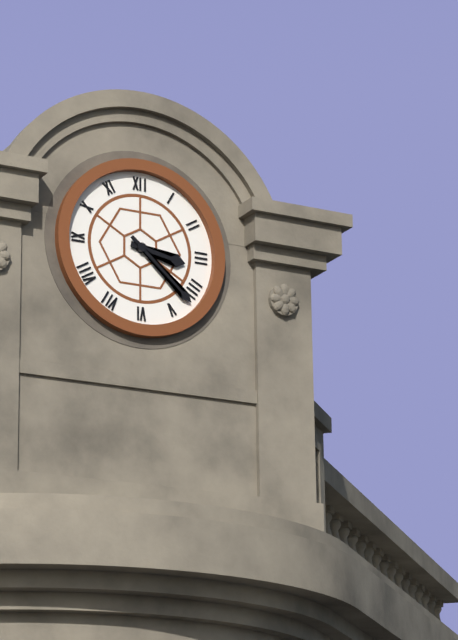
**3:22**
